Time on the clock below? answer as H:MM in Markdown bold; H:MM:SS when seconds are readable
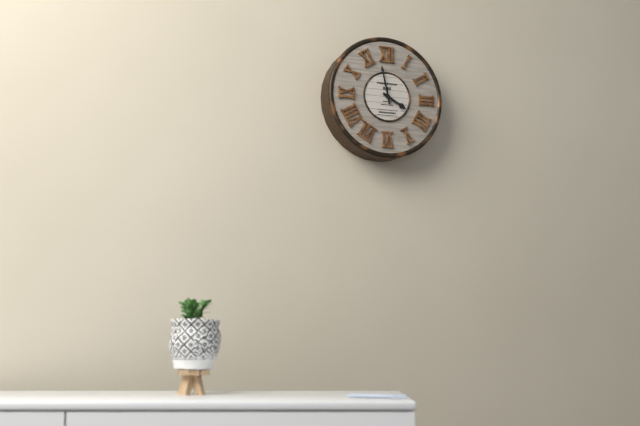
**3:58**
